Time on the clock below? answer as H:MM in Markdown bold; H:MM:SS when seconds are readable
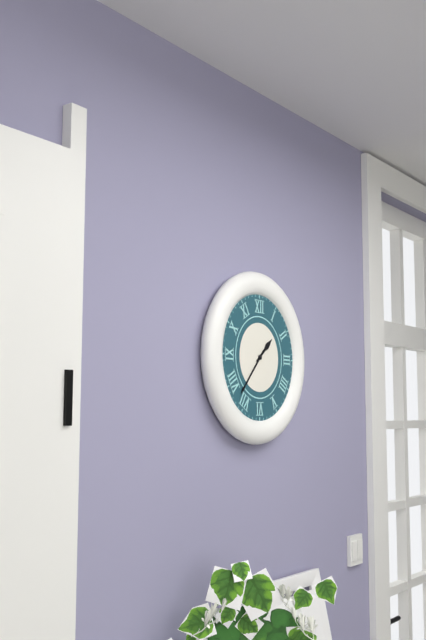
**1:37**
